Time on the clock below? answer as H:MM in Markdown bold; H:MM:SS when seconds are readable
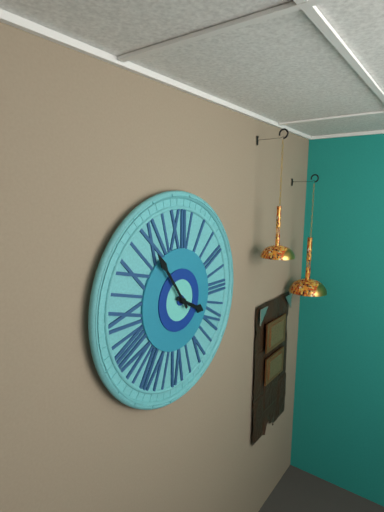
**3:54**
